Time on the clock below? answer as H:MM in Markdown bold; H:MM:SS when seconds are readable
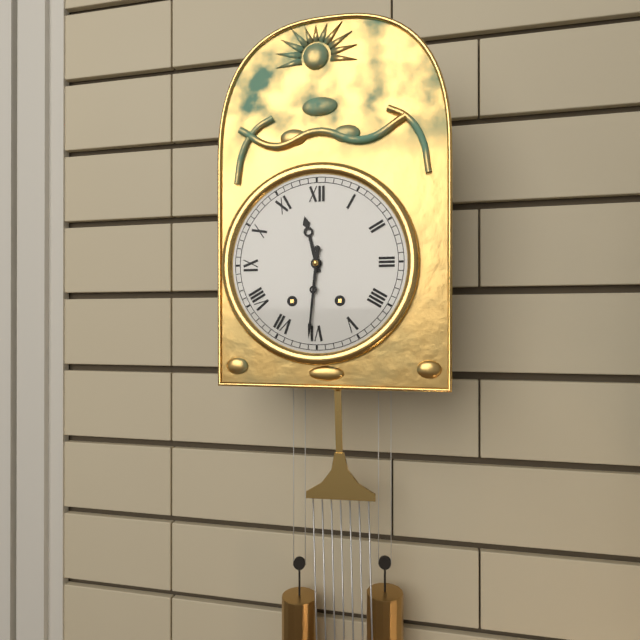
**11:31**
